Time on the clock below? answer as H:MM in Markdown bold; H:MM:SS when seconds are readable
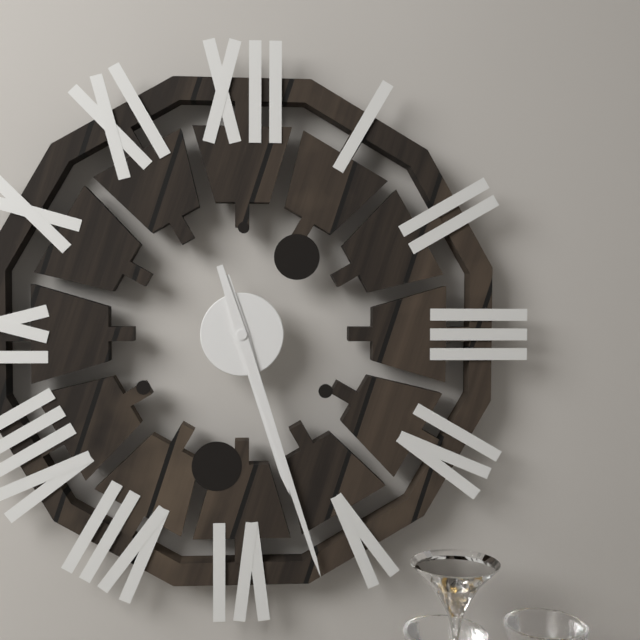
**5:27**
